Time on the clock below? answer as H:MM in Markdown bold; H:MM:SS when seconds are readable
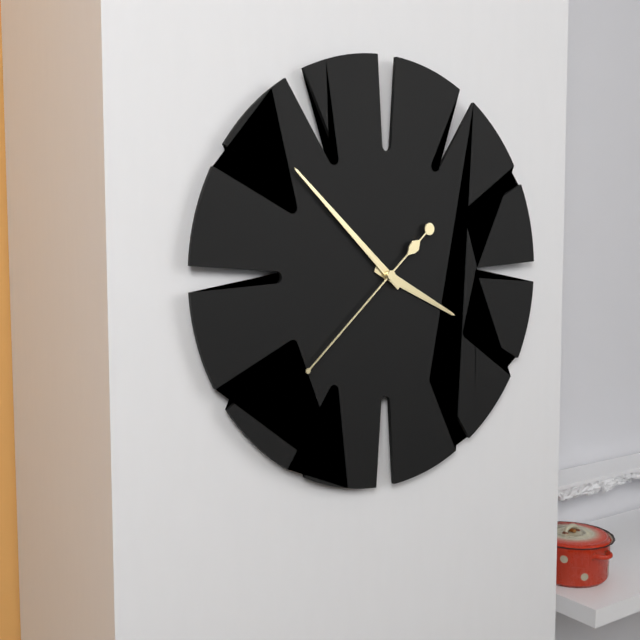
**3:52:38**
